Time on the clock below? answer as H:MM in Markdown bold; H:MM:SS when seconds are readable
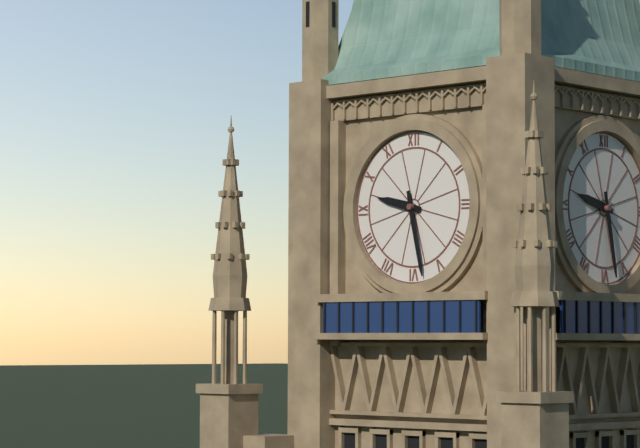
**9:28**
